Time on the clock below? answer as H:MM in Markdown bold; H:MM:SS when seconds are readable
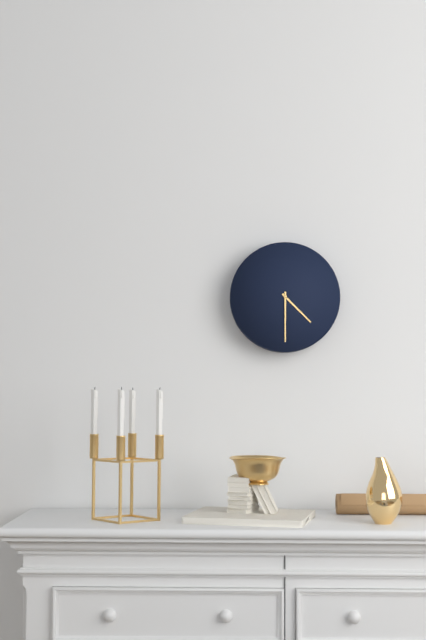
**4:30**
